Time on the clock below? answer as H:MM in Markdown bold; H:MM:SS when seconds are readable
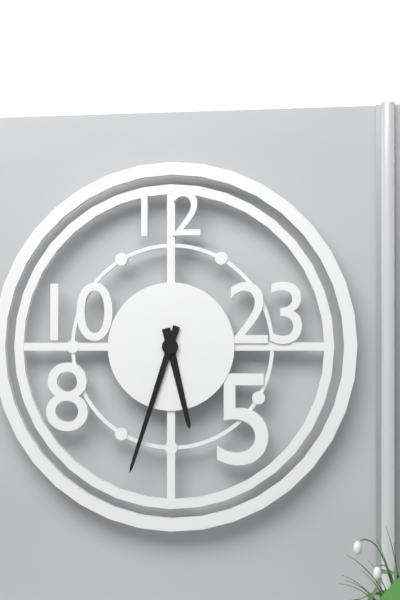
**5:33**
